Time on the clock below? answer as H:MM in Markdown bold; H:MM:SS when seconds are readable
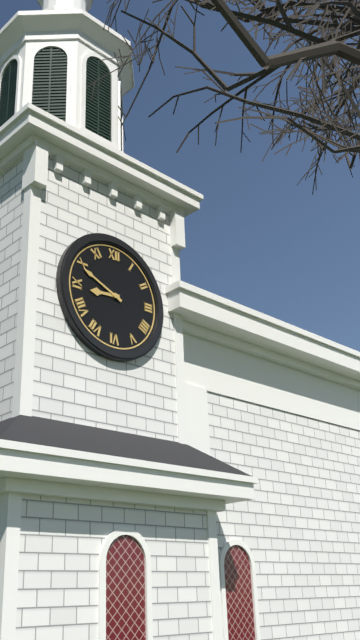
**8:49**
